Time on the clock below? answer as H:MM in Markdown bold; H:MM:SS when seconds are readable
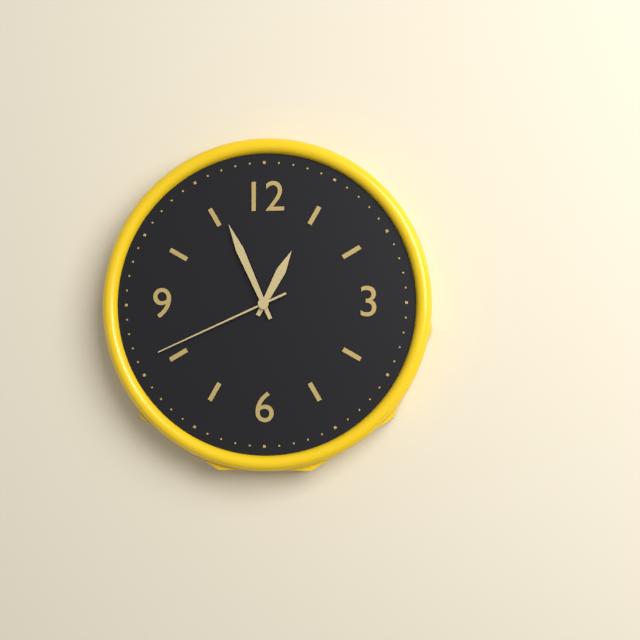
**12:56:41**
